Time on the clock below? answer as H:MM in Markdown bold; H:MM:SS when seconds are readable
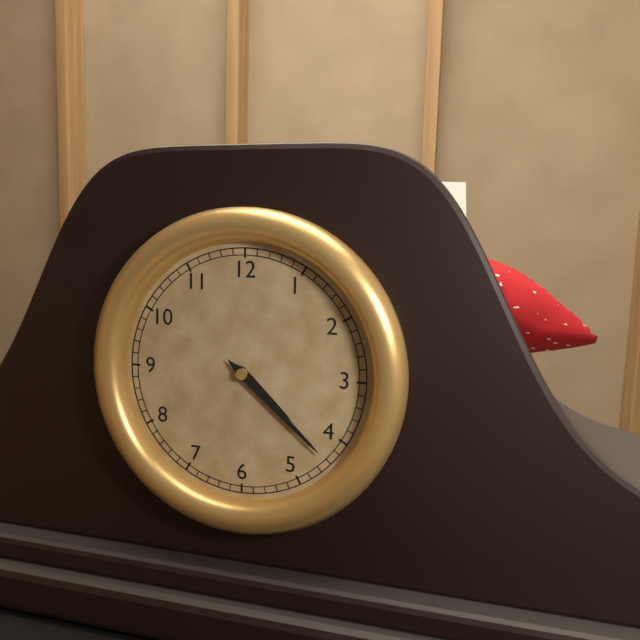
**4:22**
